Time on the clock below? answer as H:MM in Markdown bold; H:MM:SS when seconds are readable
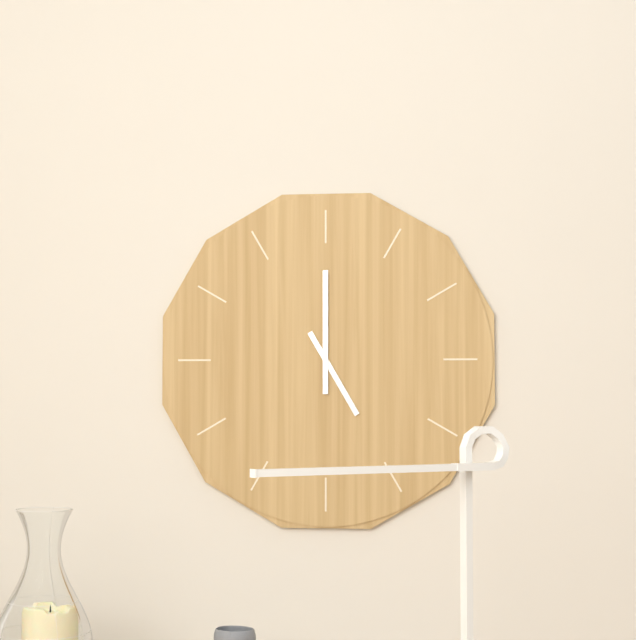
**5:00**
